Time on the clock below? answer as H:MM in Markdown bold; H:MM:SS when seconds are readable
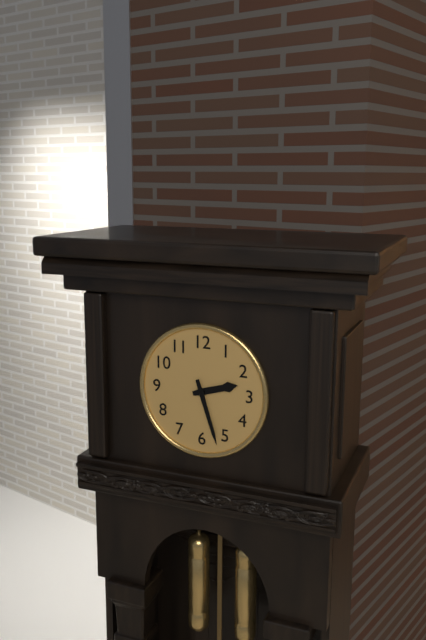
**2:27**
